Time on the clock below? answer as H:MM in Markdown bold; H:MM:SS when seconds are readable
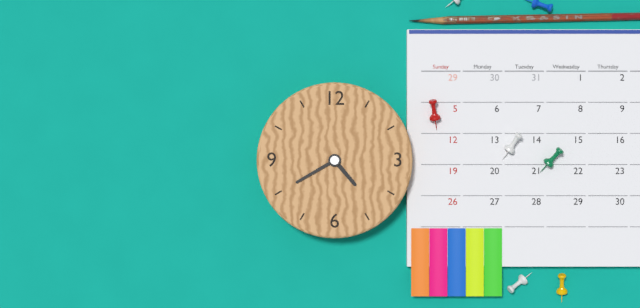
**4:40**
